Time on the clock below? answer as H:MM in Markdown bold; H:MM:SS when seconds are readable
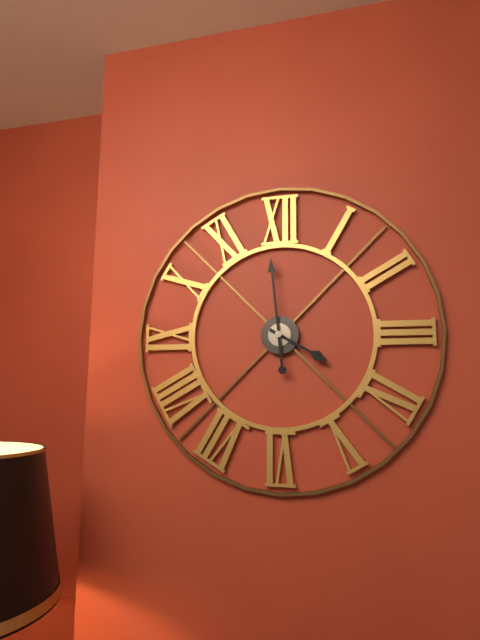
**3:59**
